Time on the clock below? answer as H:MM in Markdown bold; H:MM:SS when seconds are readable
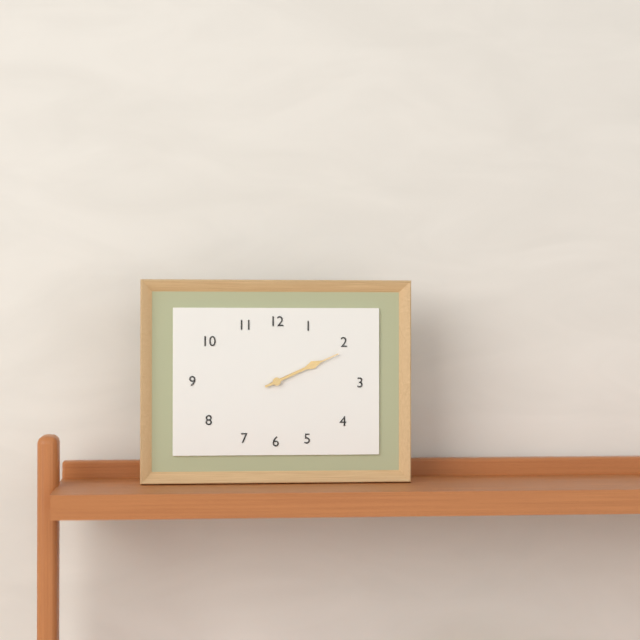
**2:11**
